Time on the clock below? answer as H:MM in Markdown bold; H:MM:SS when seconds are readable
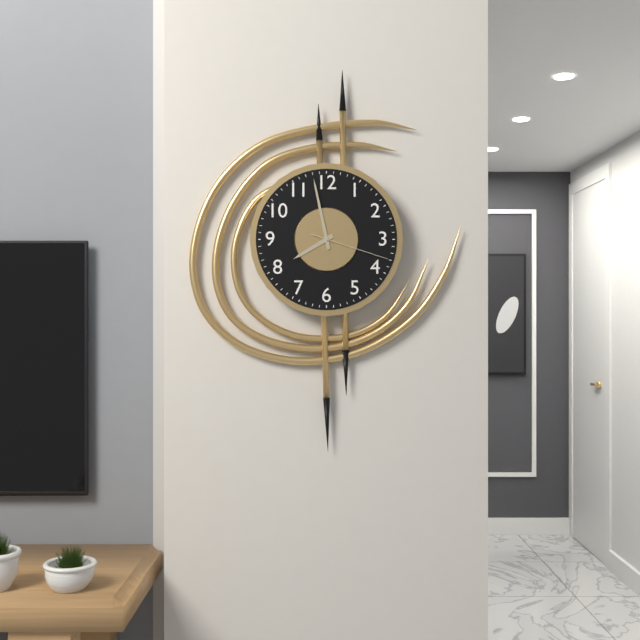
**7:58:18**
